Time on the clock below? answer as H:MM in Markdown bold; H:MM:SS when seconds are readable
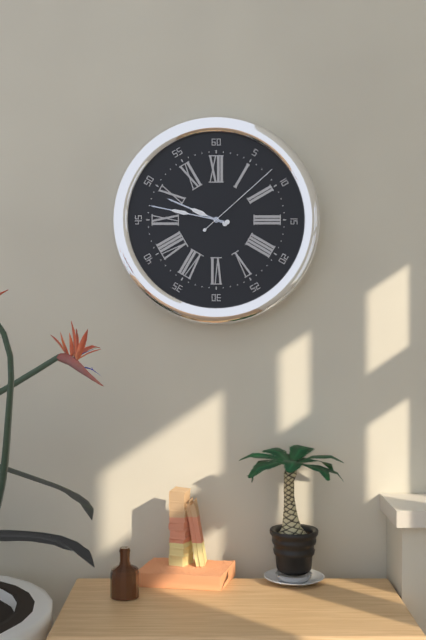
**9:47:08**
